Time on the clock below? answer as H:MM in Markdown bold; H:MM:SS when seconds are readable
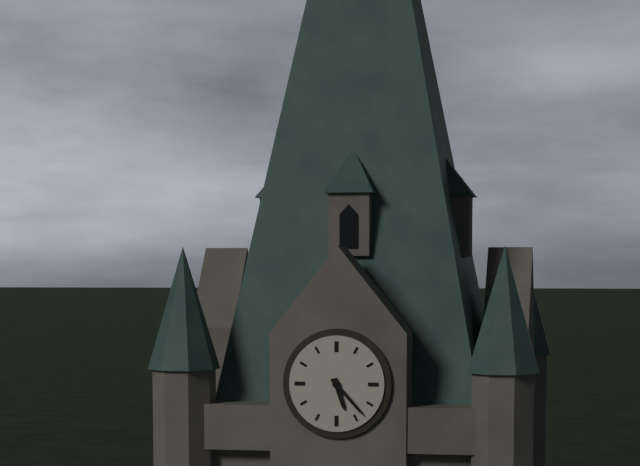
**5:23**
